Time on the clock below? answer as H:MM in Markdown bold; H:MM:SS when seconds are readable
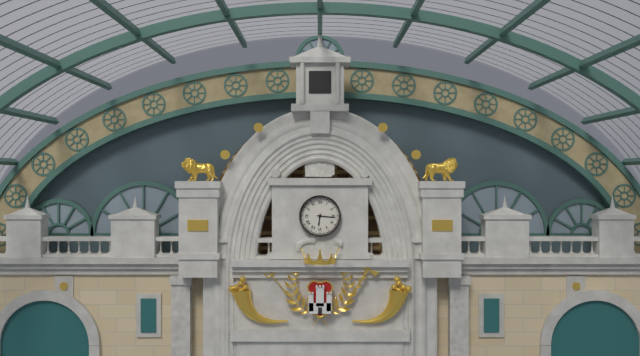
**6:16**
